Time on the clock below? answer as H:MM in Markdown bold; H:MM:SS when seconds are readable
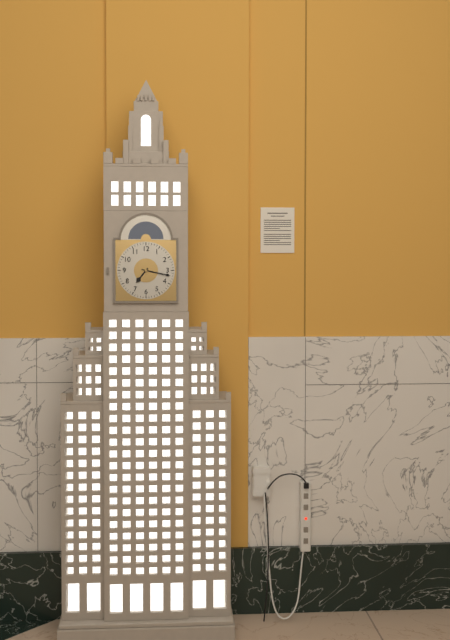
**7:17**
